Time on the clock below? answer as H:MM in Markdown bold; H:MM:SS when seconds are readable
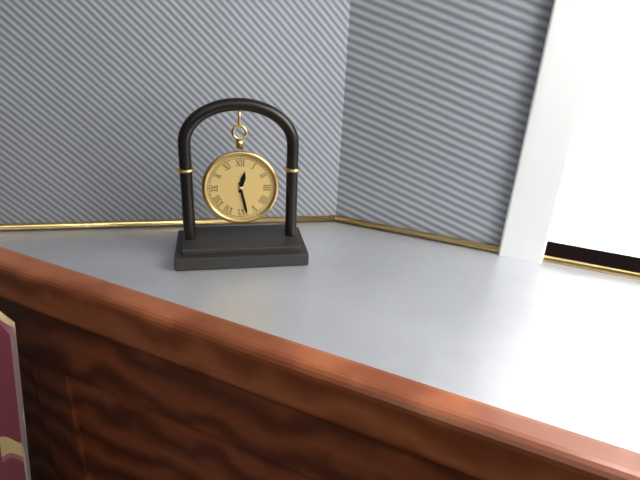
**12:28**
